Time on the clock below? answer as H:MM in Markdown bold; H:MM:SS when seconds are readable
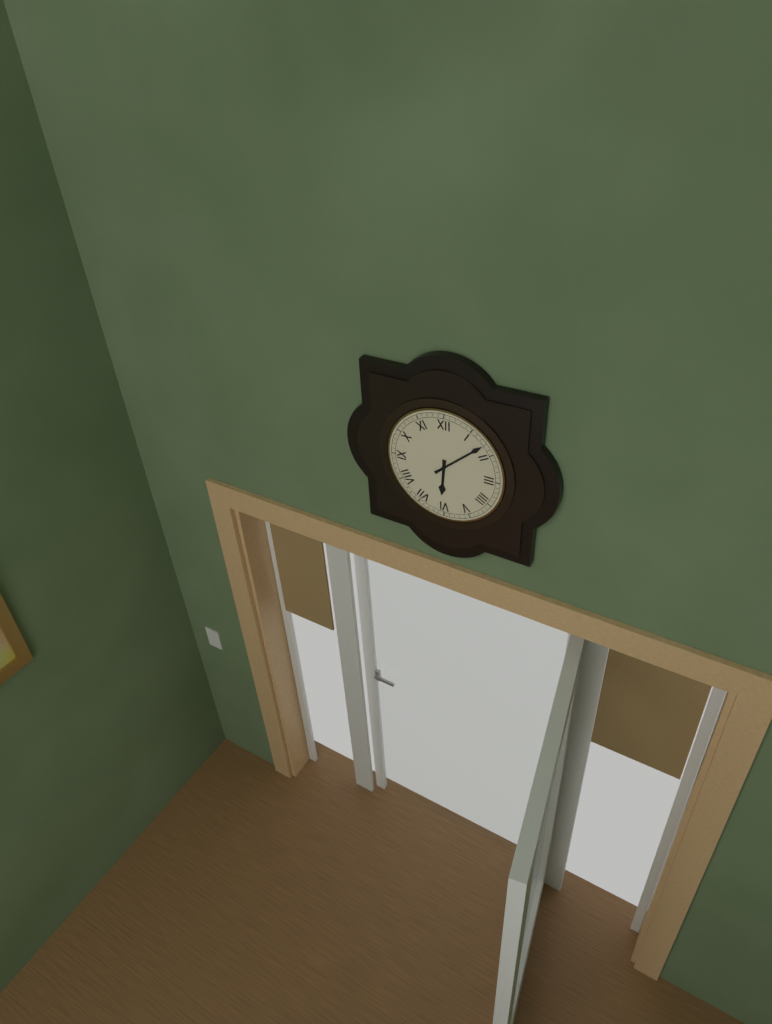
**6:08**
